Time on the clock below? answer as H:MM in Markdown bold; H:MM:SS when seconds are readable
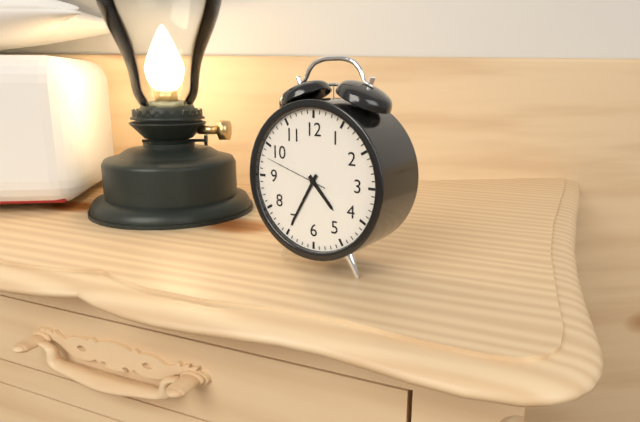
**4:35:48**
